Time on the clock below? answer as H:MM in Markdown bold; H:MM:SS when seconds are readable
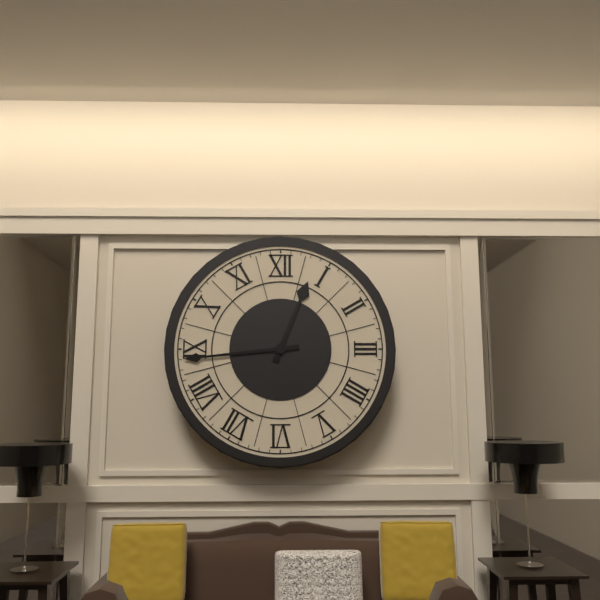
**12:44**
